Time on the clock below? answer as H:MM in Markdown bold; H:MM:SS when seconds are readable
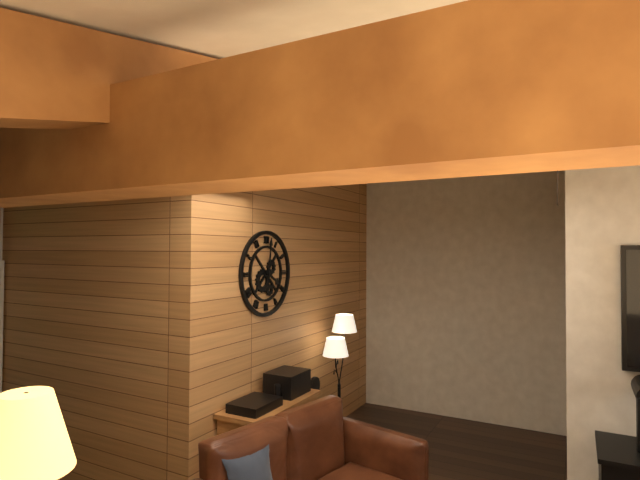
**4:01**
